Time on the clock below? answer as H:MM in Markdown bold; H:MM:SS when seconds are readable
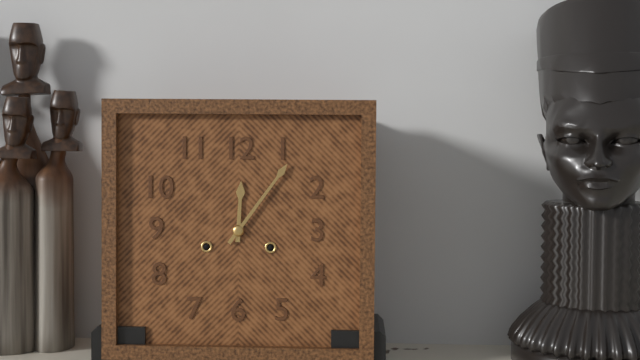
**12:06**
